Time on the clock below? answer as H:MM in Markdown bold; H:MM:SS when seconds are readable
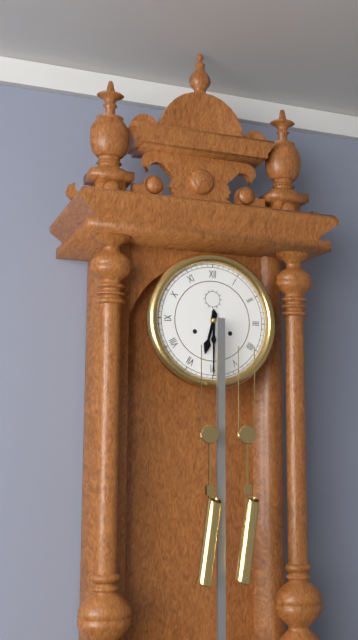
**6:30**
